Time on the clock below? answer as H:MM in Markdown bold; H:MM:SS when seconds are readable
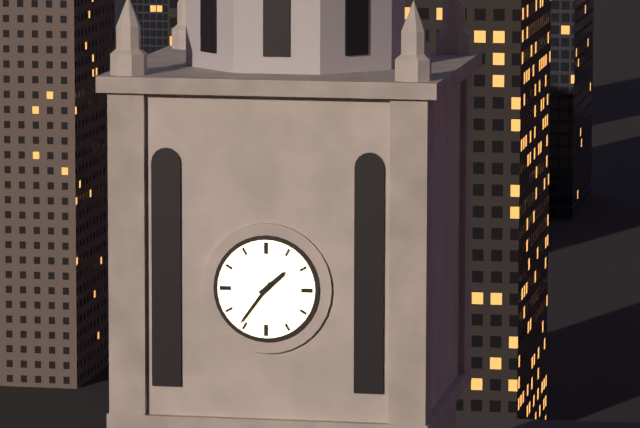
**1:36**
